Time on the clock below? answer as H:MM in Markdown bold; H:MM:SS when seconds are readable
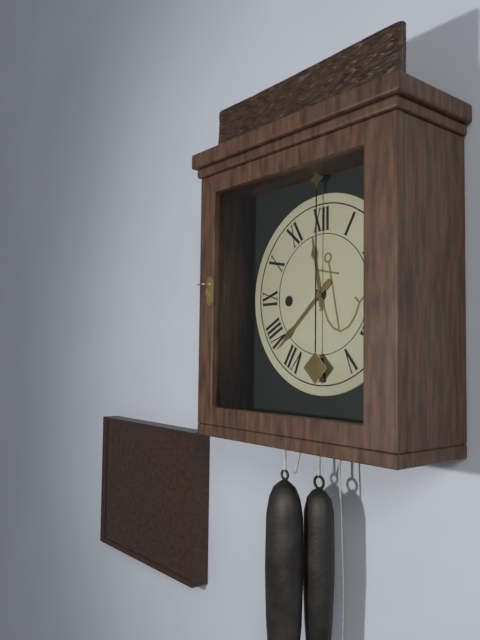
**11:38**
